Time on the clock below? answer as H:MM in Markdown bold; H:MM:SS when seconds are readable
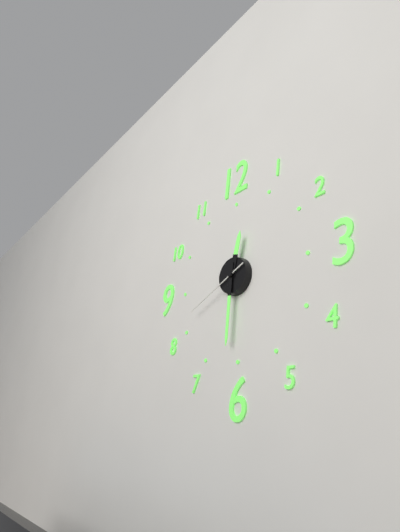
**12:31:41**
